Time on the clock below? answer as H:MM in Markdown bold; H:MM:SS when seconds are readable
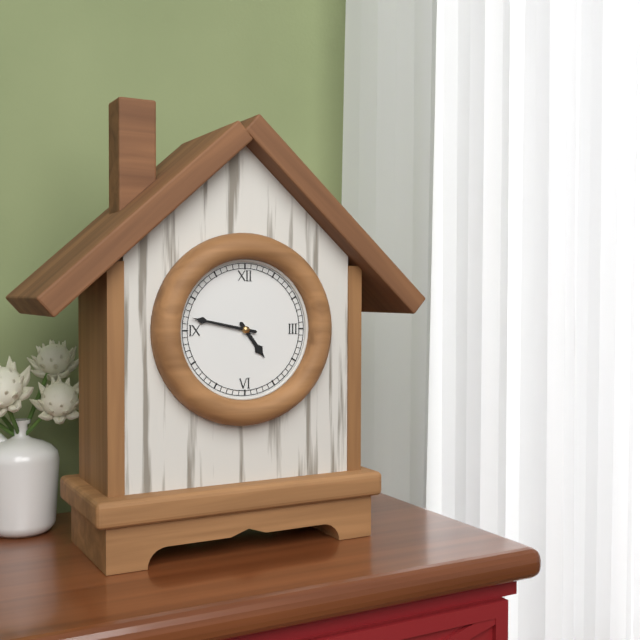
**4:47**
